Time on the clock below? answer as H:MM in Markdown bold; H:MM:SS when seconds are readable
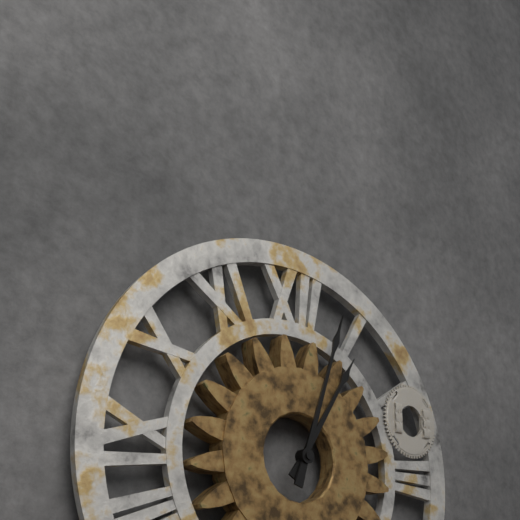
**1:03**
